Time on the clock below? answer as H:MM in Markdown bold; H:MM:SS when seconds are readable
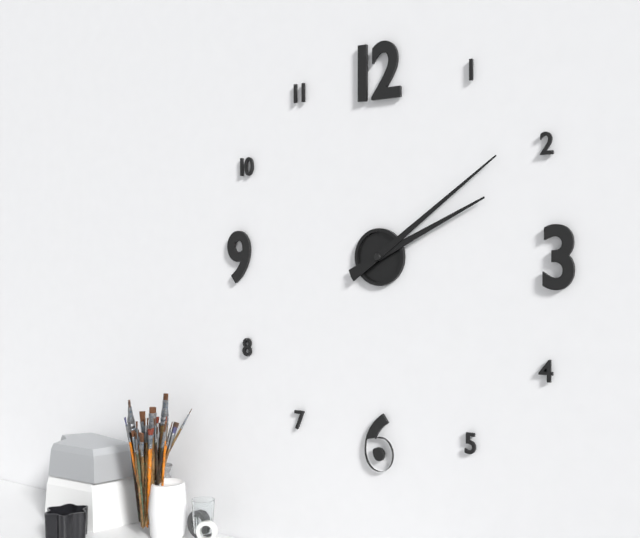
**2:09**
